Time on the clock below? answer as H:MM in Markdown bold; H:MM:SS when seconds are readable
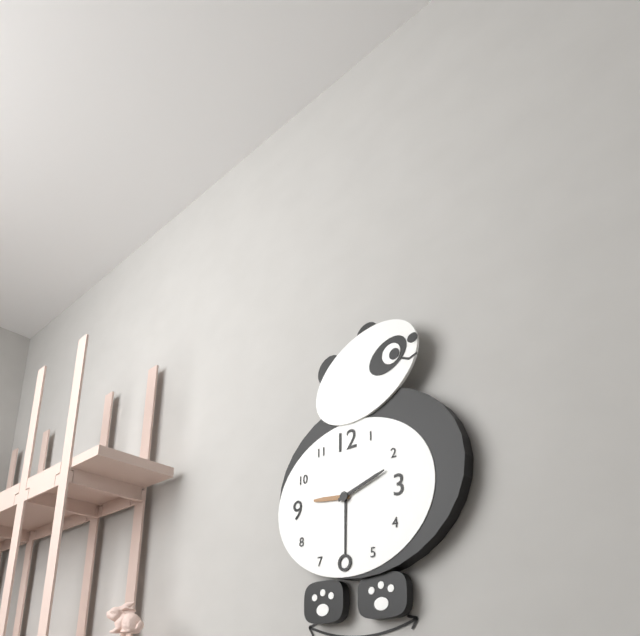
**9:12**
